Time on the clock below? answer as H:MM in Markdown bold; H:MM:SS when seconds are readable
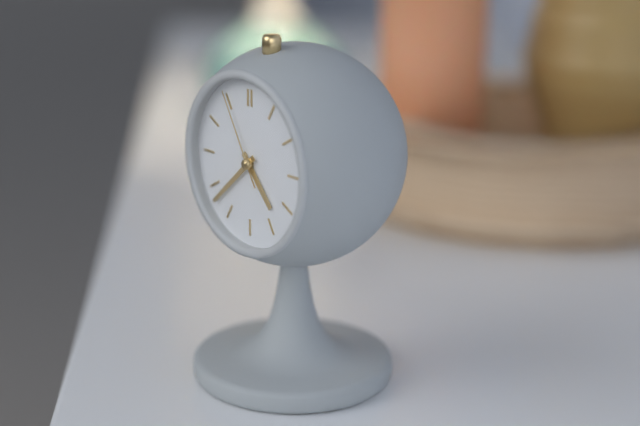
**4:38:55**
